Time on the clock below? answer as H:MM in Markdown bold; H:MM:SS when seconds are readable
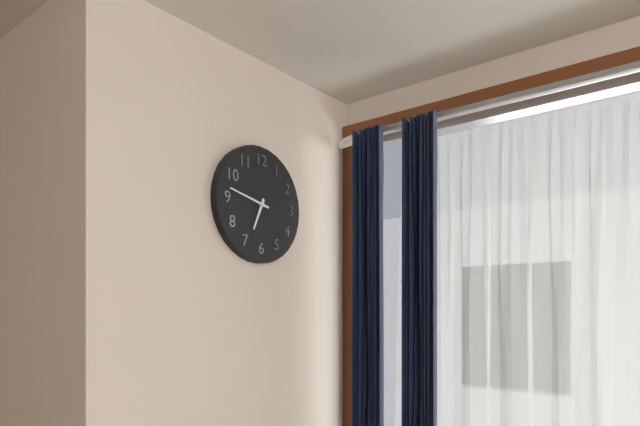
**6:47**
